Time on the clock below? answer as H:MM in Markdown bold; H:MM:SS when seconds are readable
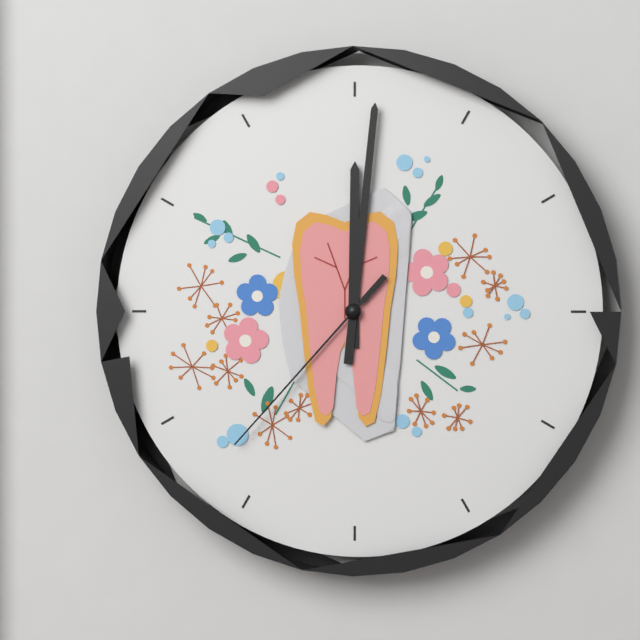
**12:01:37**
